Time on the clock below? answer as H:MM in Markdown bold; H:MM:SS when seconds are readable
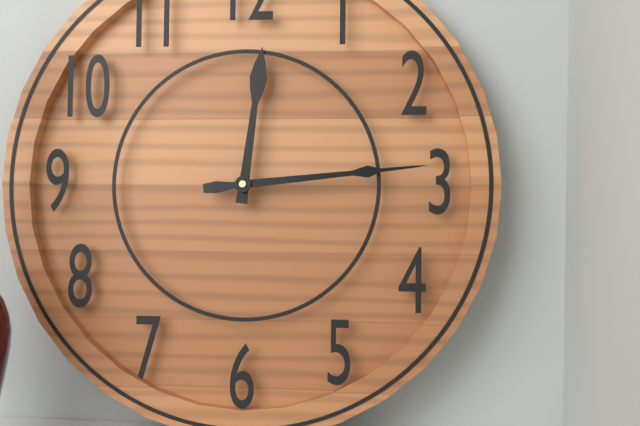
**12:14**
